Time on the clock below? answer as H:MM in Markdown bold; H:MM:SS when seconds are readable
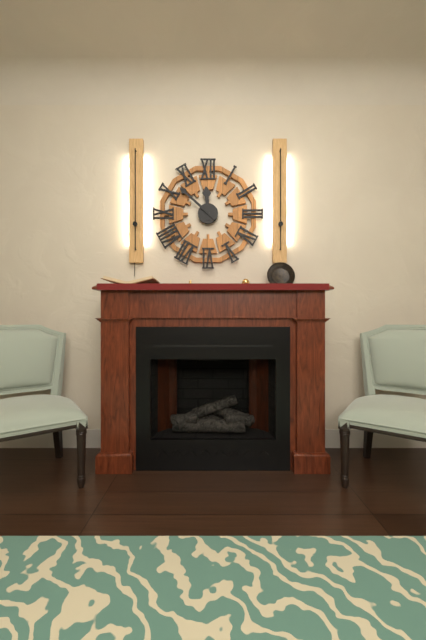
**11:52**
